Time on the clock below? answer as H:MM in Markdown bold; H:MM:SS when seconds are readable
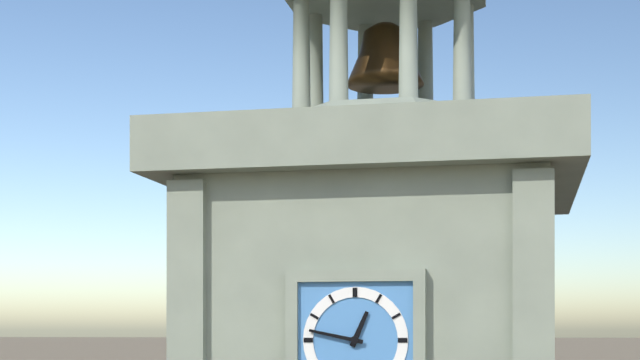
**12:47**
